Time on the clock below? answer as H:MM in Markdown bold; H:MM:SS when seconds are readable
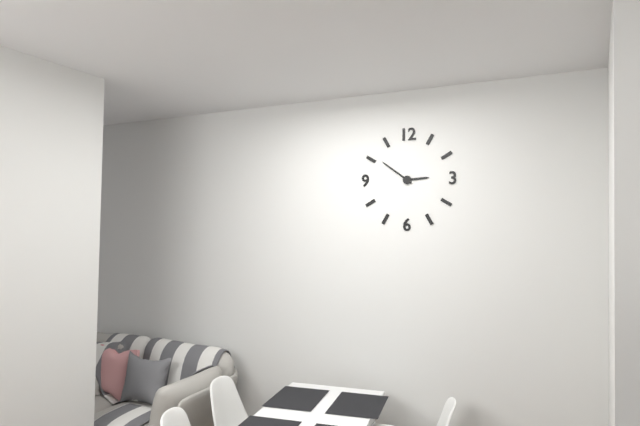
**2:51**
